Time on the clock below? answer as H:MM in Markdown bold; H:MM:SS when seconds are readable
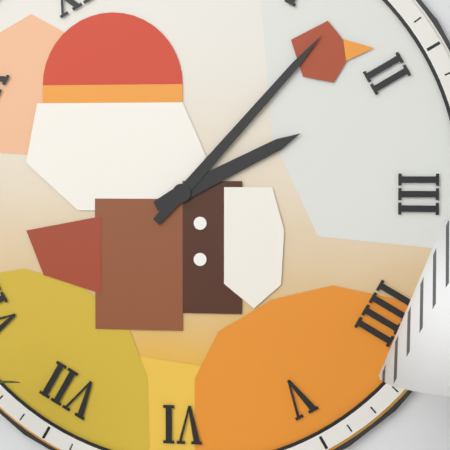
**2:07**
